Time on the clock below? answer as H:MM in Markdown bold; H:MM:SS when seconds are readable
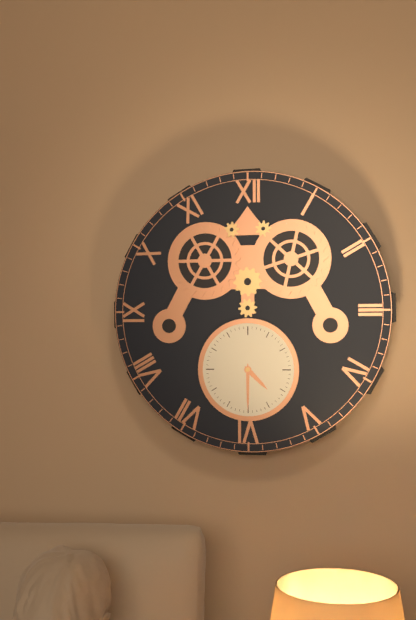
**4:30**
